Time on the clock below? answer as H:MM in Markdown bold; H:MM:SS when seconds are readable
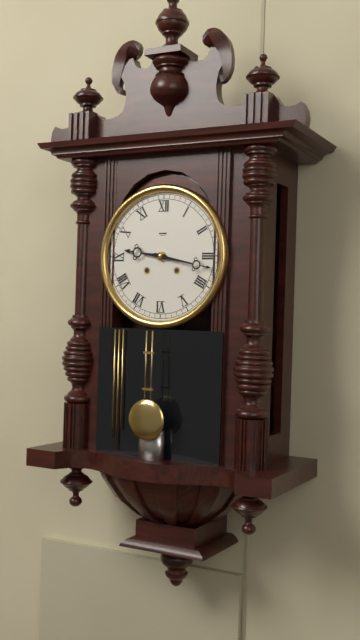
**9:17**
